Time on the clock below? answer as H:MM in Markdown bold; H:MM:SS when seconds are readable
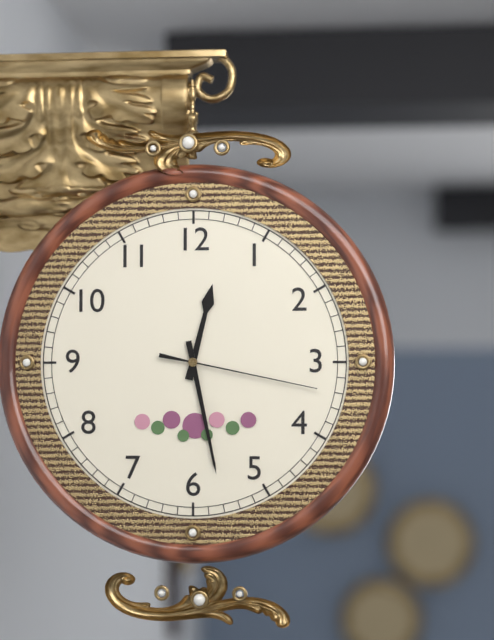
**12:28:17**
